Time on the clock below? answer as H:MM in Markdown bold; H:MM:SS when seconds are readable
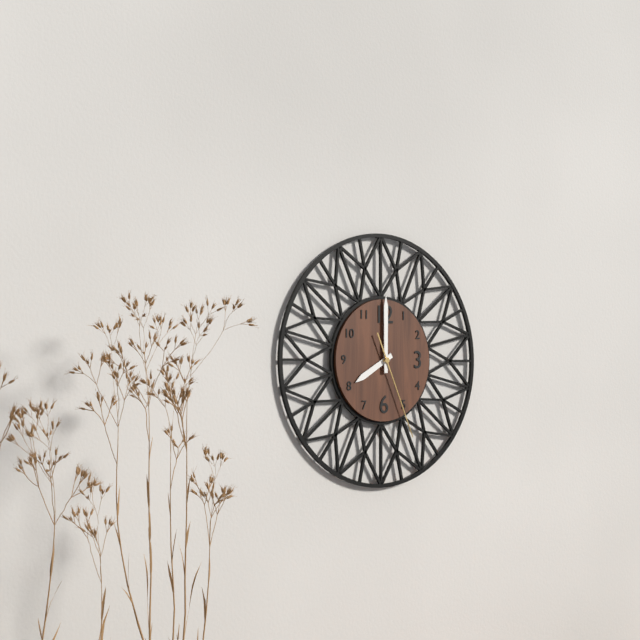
**8:00:26**
